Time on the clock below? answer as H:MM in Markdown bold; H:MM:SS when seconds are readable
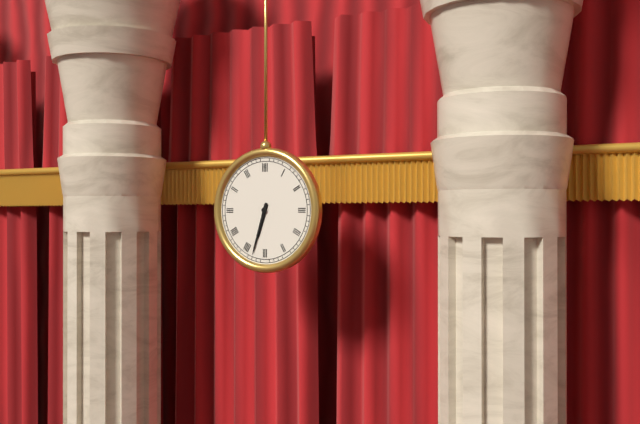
**6:33**
